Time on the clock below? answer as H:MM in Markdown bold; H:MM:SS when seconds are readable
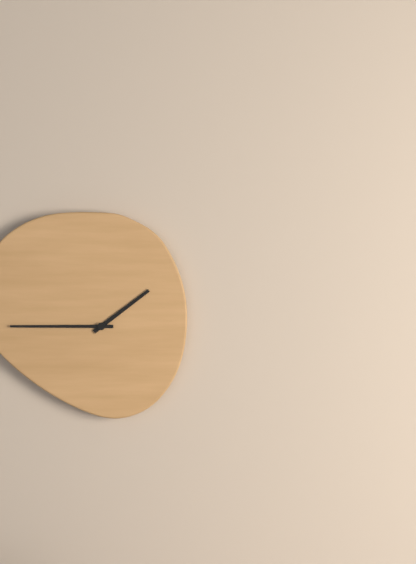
**1:45**
